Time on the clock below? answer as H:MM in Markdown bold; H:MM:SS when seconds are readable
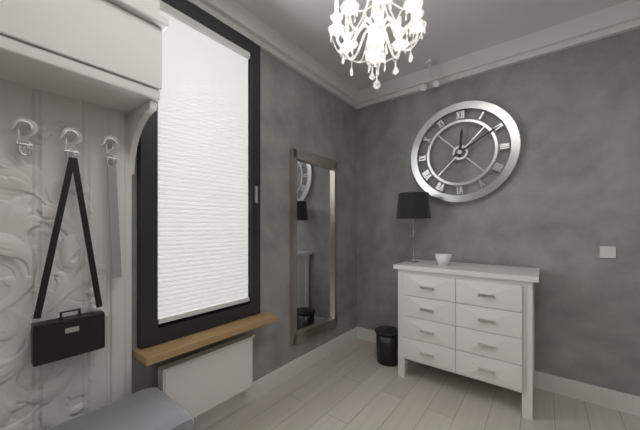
**12:10**
